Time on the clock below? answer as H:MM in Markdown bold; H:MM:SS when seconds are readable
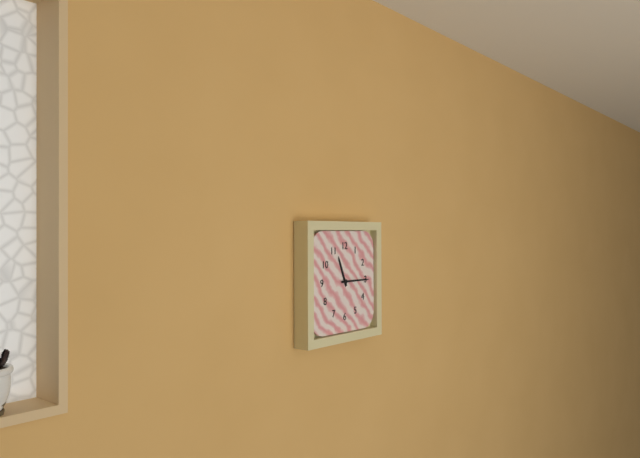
**11:15**
